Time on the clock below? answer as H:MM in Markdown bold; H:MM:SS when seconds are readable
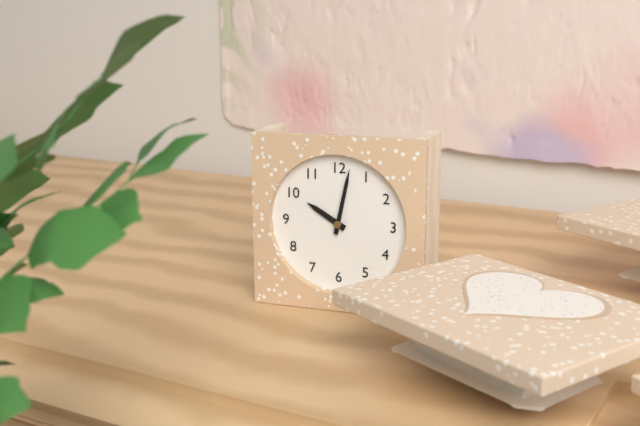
**10:02**
